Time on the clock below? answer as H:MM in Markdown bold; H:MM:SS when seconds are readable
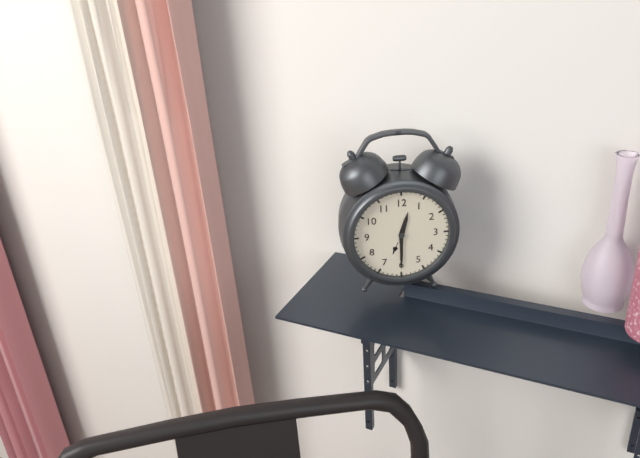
**12:30**
